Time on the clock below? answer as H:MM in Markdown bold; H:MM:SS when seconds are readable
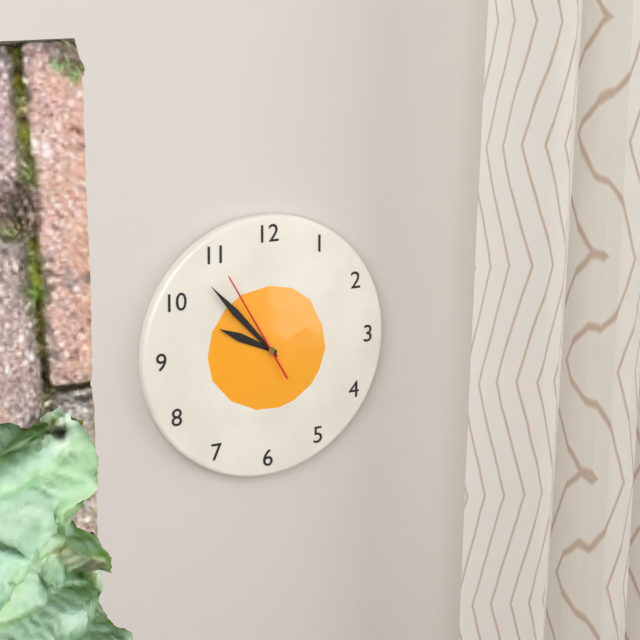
**9:53:55**
